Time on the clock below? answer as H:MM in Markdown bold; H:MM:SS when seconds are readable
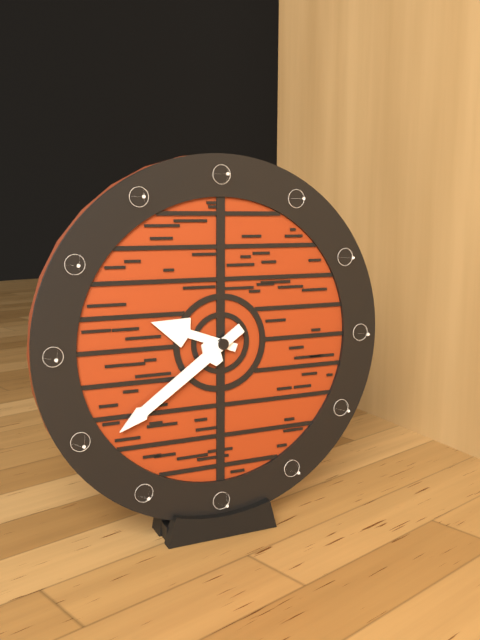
**9:39**
